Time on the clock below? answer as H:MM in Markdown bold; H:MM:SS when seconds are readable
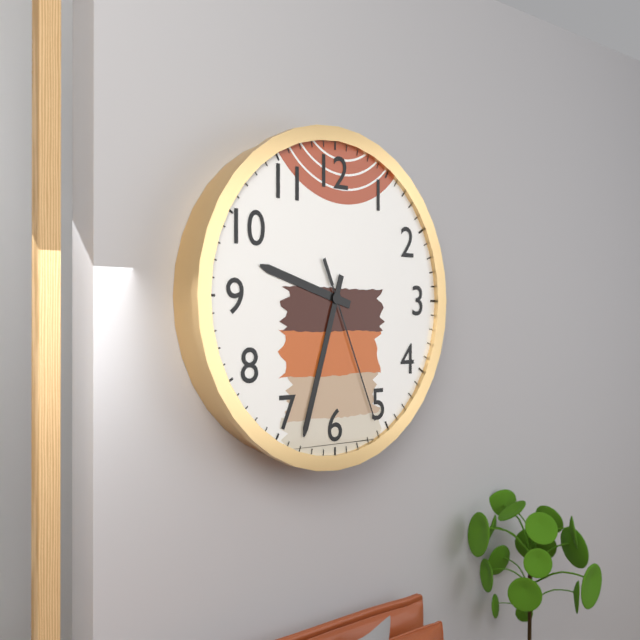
**9:33:26**
